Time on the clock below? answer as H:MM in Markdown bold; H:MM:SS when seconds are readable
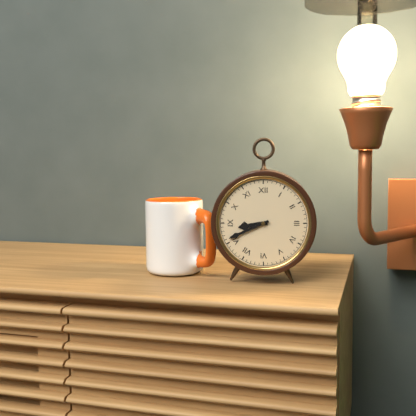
**8:41**
